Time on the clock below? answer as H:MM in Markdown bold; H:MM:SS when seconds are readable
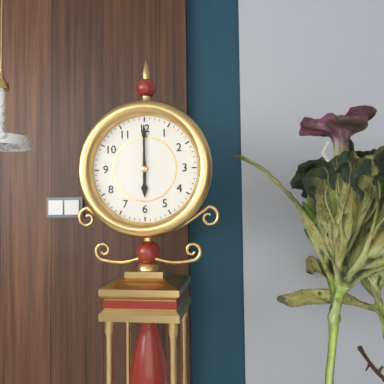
**6:00**
